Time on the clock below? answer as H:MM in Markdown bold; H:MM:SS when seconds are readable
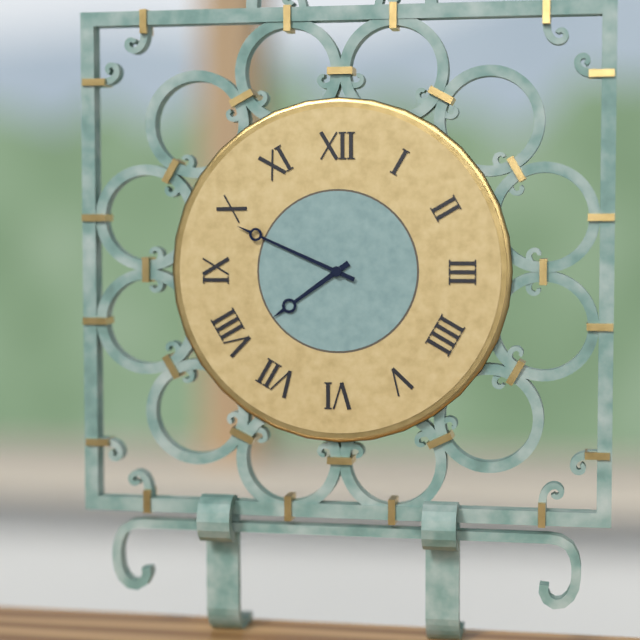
**7:49**
